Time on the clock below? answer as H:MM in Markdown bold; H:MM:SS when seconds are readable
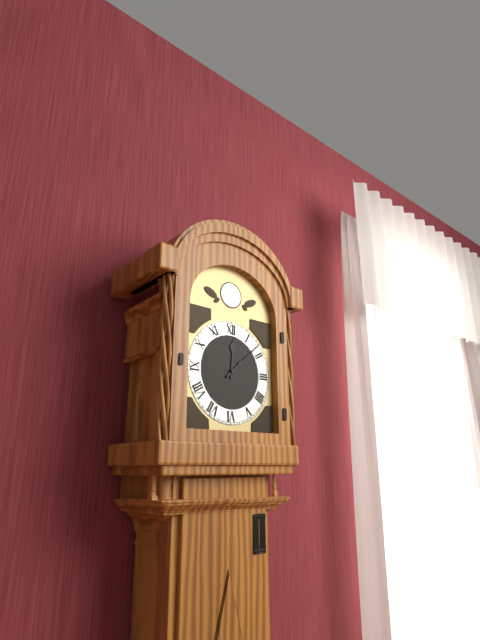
**12:08**
